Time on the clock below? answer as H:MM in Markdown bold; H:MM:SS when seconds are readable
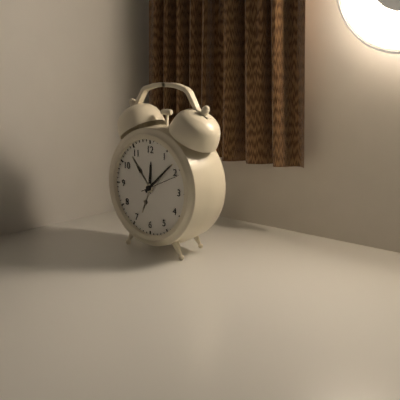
**12:08**
